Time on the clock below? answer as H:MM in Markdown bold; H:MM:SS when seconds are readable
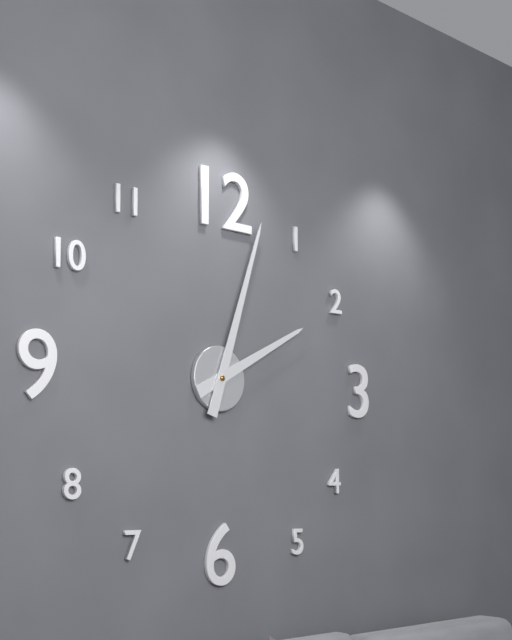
**2:03**
